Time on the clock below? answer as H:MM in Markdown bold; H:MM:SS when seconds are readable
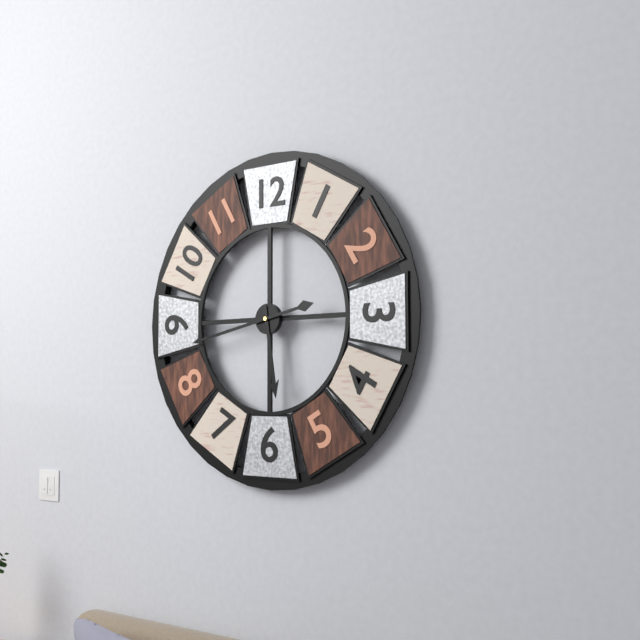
**5:43**
